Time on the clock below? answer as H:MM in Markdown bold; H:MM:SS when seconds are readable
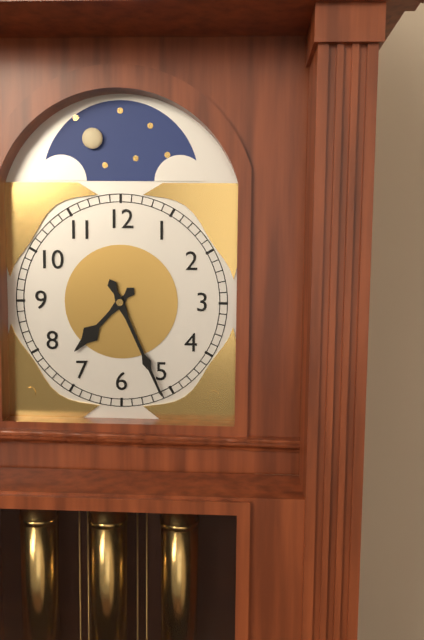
**7:26**
